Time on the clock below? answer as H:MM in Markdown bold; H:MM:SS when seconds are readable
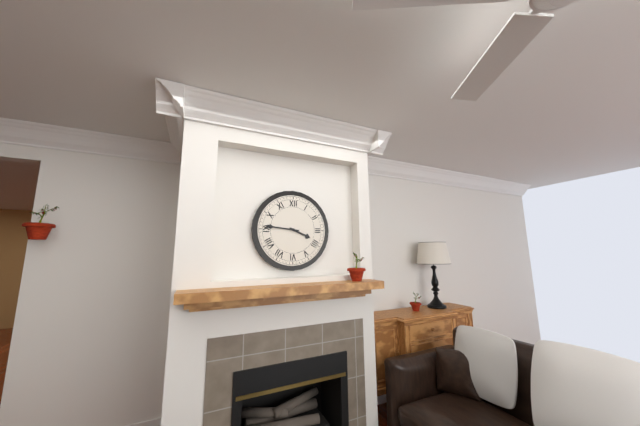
**3:46**
